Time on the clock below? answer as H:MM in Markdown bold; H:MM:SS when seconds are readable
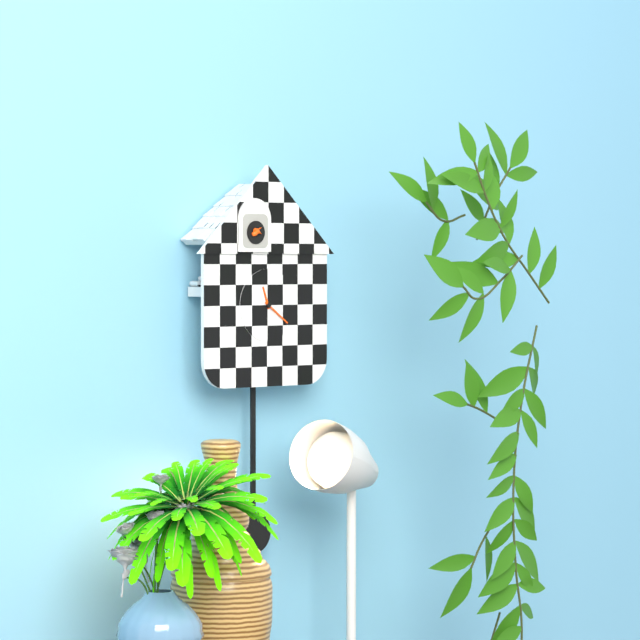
**11:21**
